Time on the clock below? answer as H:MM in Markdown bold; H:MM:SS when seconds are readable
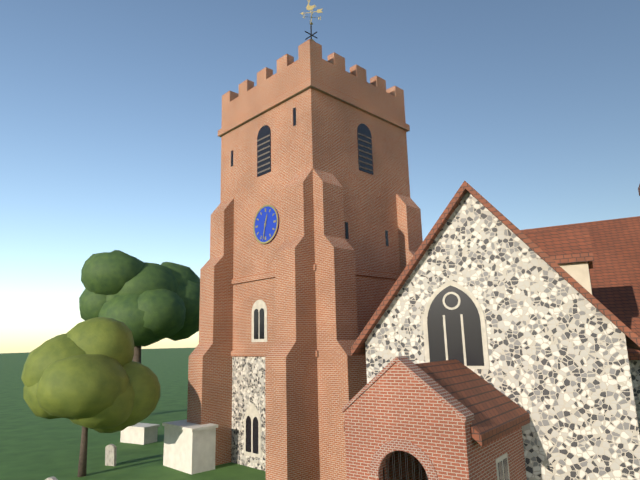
**12:32**
